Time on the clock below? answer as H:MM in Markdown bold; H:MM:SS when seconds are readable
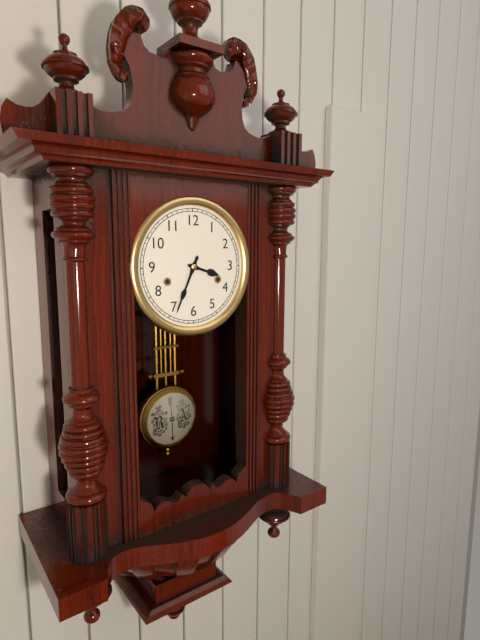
**3:34**
